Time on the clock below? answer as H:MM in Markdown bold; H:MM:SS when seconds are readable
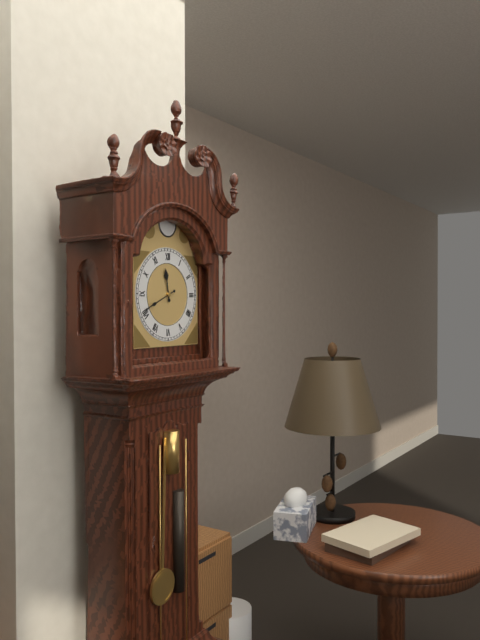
**11:41**
